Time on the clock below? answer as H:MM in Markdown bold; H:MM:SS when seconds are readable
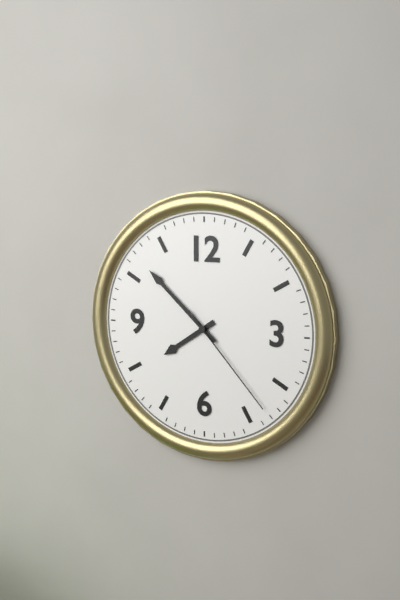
**7:52:23**
